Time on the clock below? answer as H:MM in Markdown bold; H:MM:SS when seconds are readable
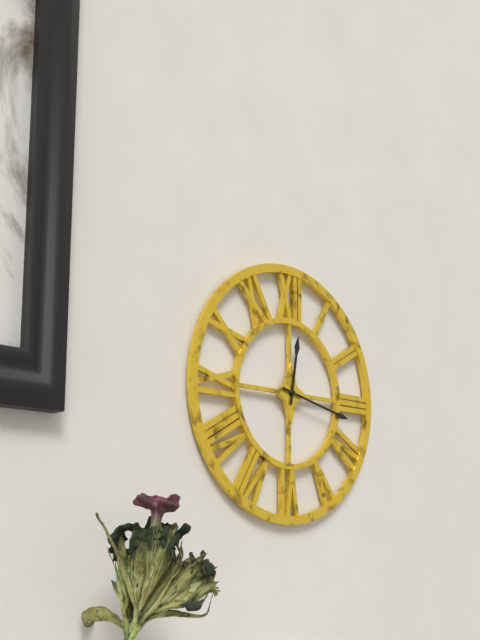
**12:17**
